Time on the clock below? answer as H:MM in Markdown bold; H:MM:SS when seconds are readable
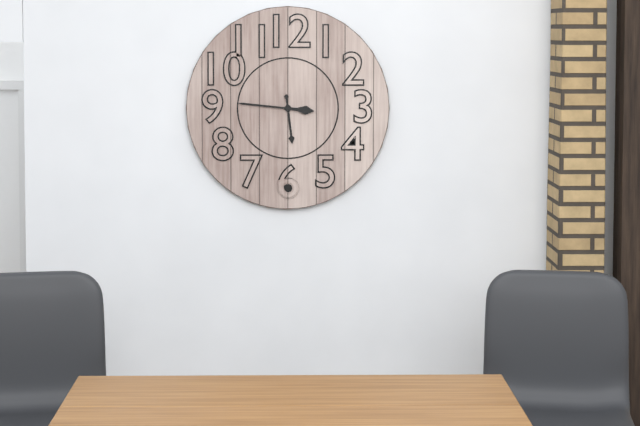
**5:46**
